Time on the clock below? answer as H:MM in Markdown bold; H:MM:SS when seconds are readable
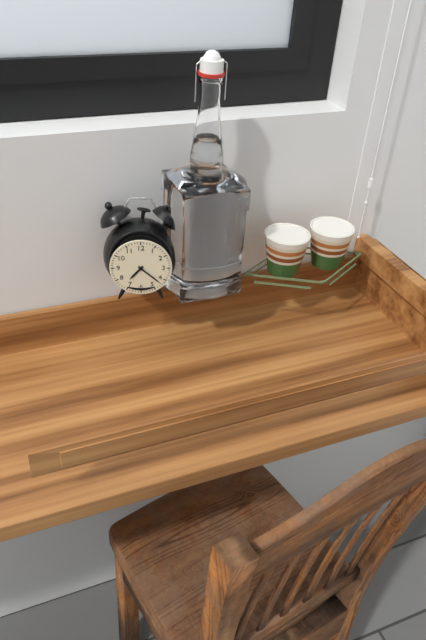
**7:22**
